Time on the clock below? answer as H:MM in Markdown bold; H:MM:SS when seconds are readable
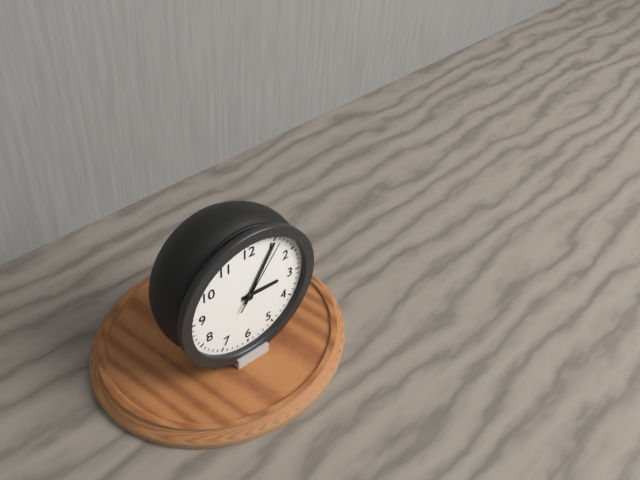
**3:05:06**
